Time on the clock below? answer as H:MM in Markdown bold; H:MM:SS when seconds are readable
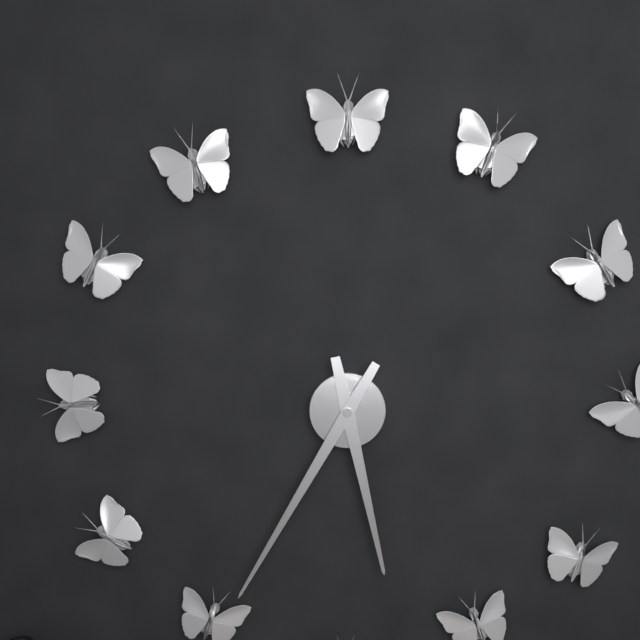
**5:35**
